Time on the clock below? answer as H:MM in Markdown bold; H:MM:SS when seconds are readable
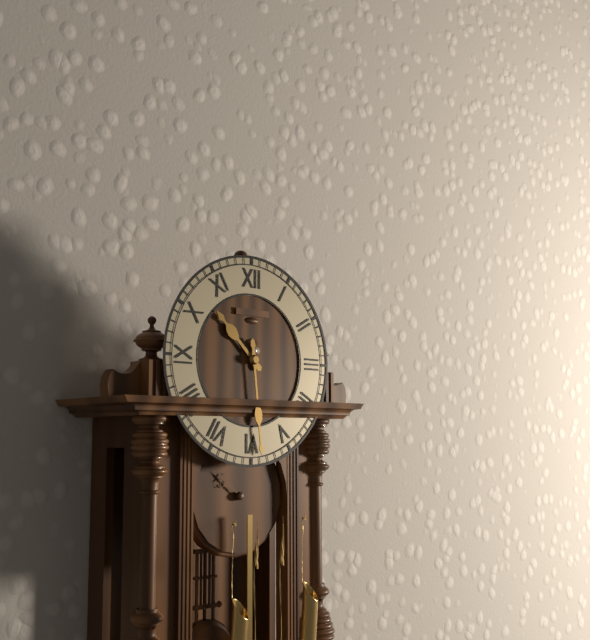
**10:29**
